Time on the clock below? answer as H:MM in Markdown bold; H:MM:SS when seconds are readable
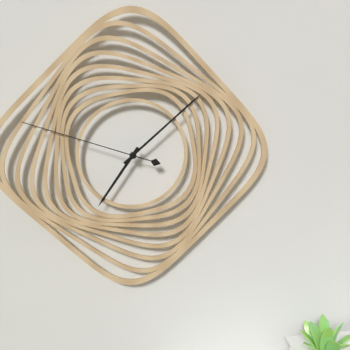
**7:08:48**
